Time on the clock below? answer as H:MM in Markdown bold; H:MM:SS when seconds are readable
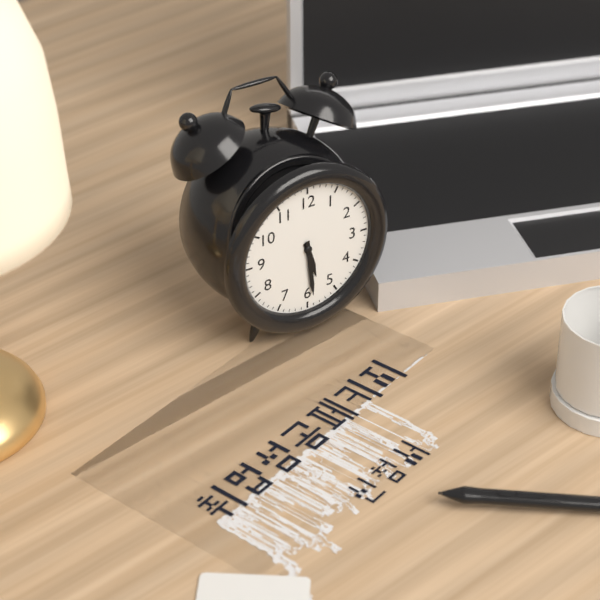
**5:29**
